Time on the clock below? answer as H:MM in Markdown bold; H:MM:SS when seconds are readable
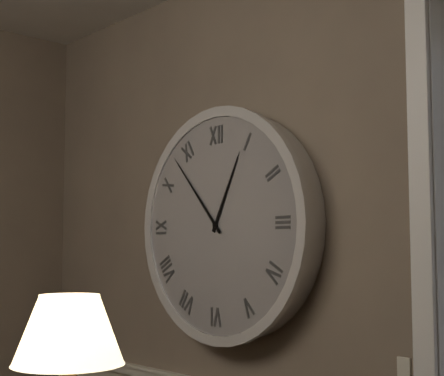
**12:53**
